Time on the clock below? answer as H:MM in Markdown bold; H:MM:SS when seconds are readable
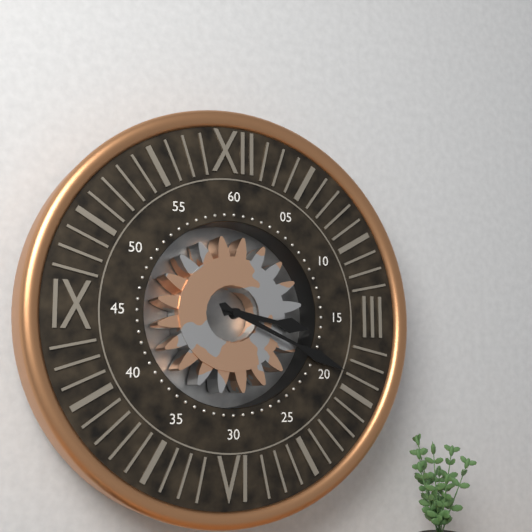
**3:19**
